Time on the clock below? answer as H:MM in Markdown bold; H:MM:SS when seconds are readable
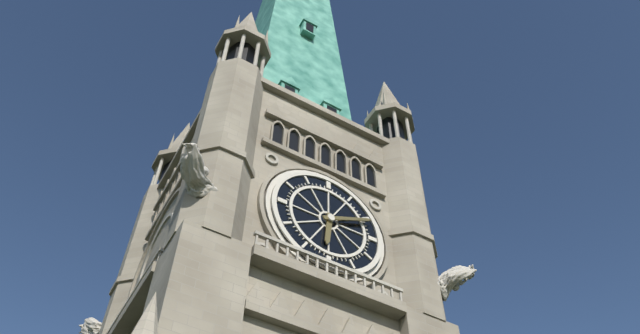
**6:11**
